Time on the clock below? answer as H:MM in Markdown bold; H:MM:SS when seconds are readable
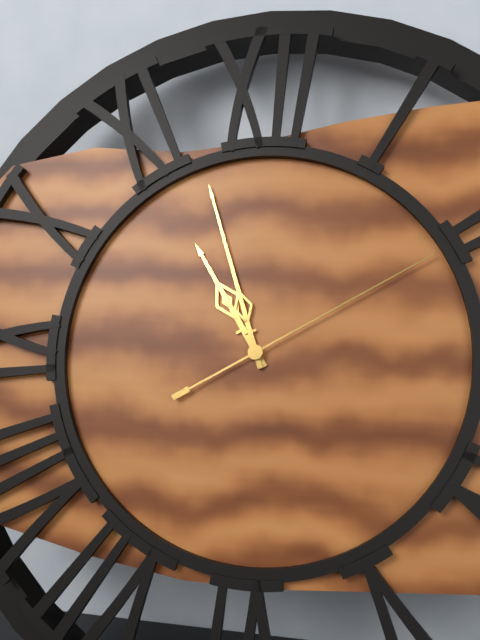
**10:57:10**
